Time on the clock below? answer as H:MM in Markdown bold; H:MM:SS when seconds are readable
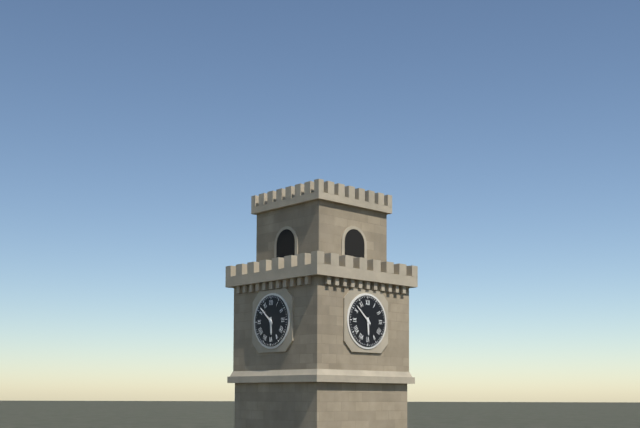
**5:52**
